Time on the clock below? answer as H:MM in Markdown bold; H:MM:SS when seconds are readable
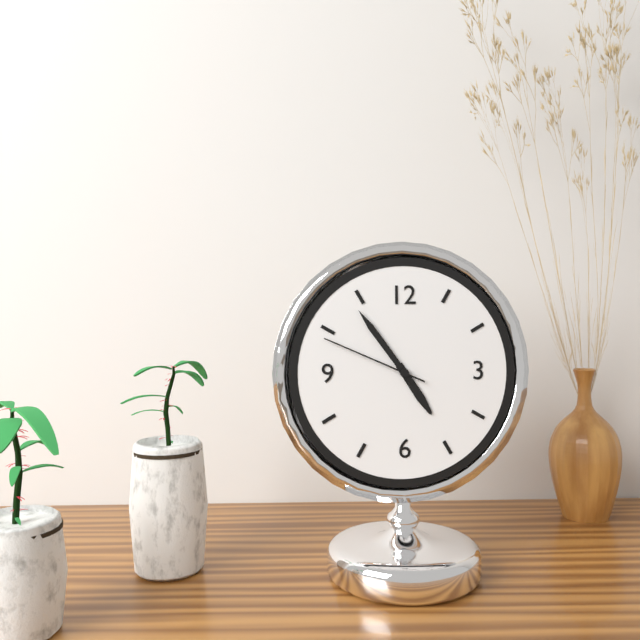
**4:54:49**
